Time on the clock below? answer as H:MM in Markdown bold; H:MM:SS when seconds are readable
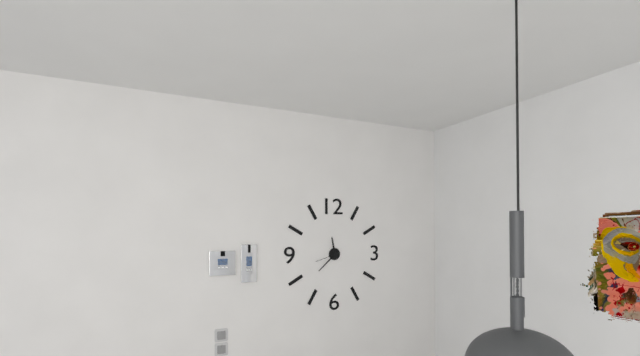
**11:38**
